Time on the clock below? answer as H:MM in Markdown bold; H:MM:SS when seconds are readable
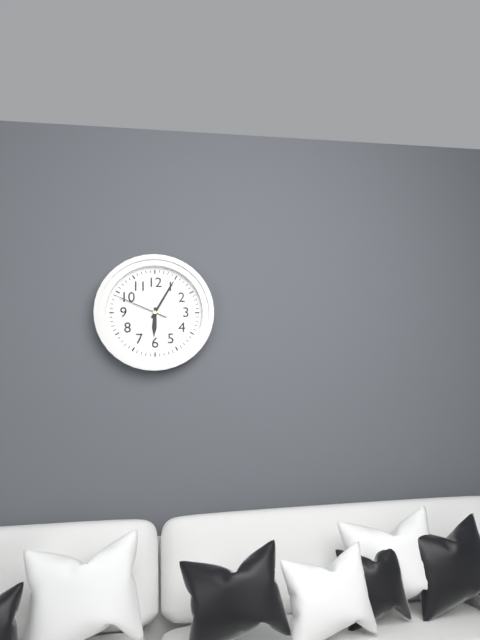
**6:05:49**
